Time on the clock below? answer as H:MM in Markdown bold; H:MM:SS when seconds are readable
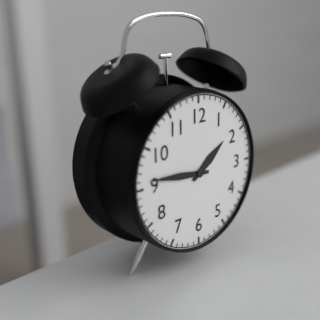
**1:46**
